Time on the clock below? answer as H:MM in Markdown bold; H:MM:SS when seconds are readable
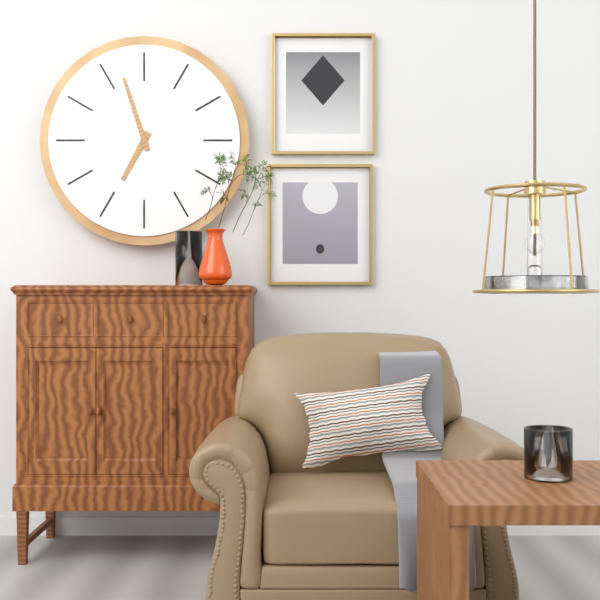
**6:57**
